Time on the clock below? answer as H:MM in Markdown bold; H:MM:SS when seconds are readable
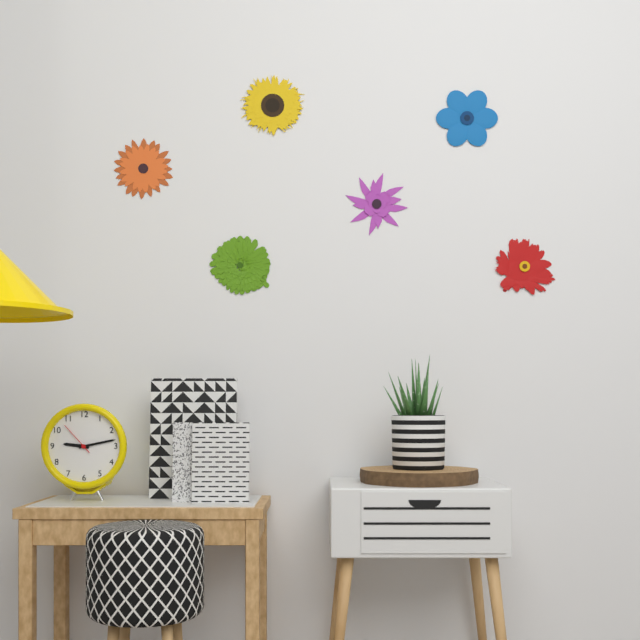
**9:13**
